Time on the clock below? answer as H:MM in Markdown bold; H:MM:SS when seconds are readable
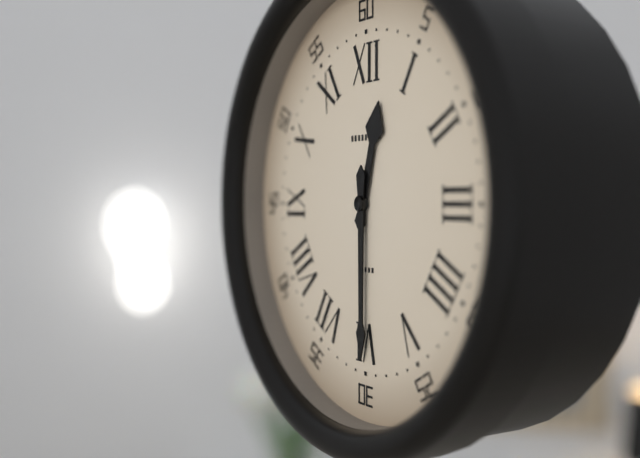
**12:30**
